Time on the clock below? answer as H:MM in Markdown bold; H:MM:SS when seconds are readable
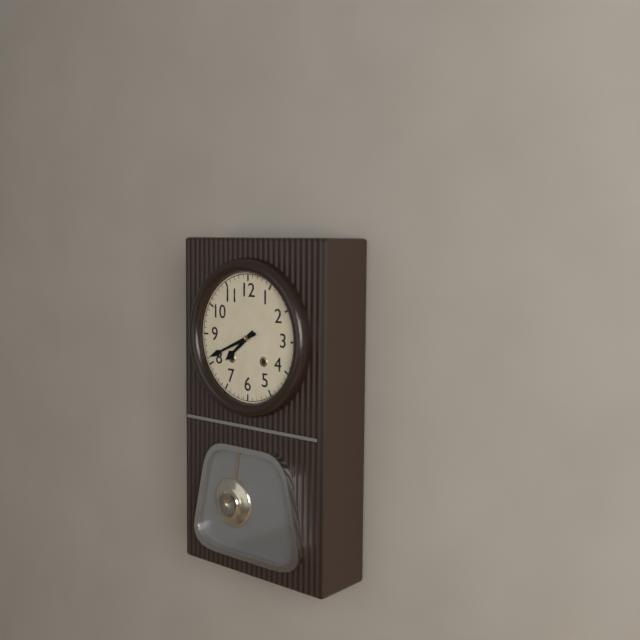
**7:41**
